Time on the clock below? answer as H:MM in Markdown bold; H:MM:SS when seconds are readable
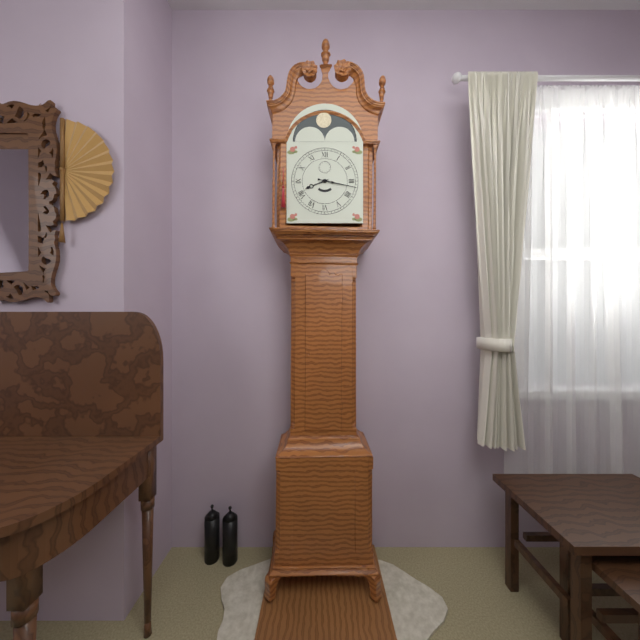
**8:17**
